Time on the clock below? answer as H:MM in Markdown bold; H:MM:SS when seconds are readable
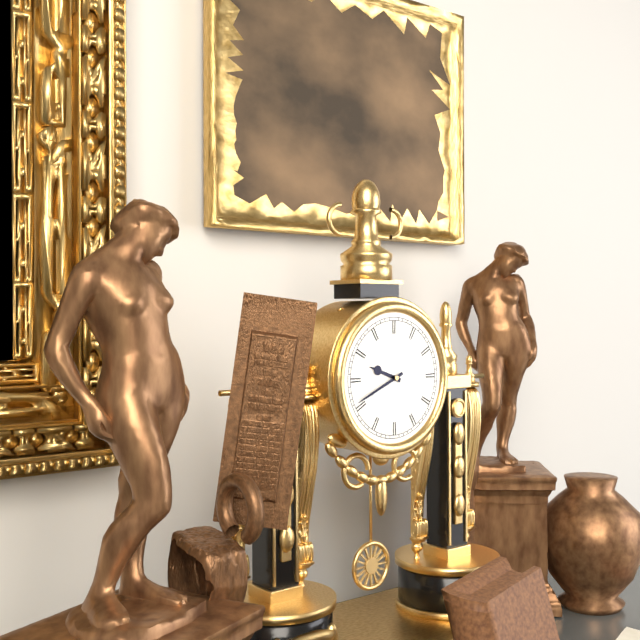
**9:41**
